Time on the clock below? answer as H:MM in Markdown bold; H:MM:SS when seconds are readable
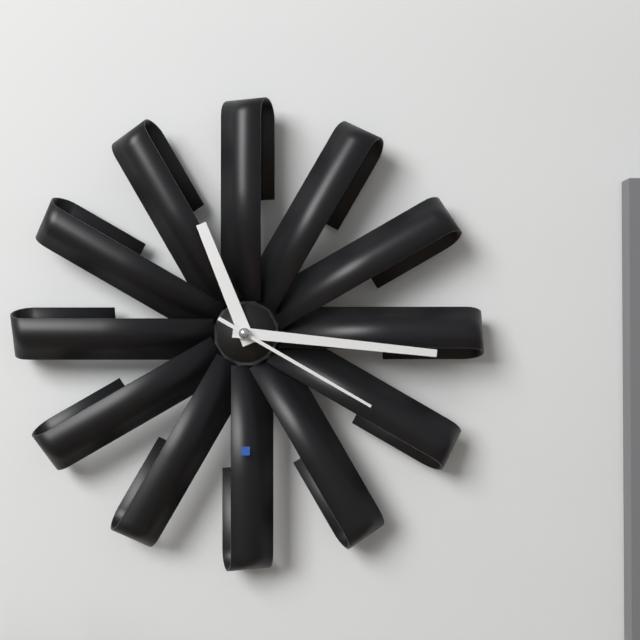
**11:16:20**
